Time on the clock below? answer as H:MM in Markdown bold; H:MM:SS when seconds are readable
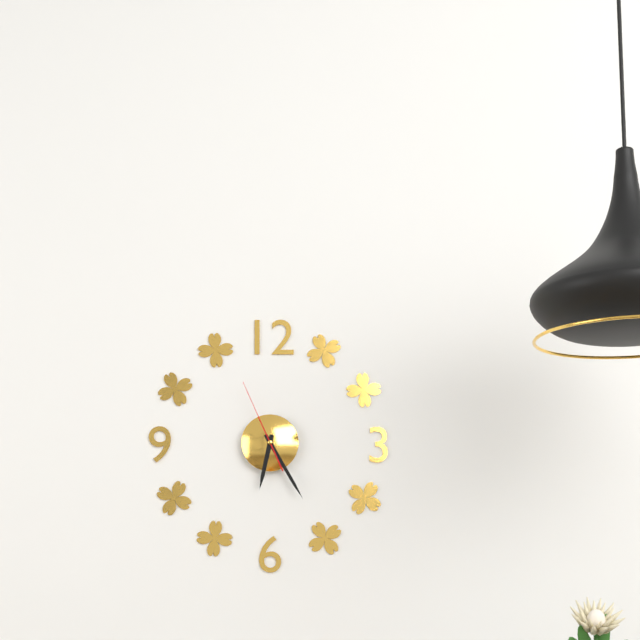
**6:25:56**
